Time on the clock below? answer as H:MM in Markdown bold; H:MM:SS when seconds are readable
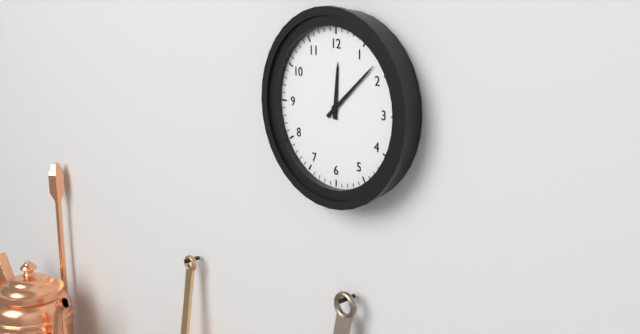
**12:08**
